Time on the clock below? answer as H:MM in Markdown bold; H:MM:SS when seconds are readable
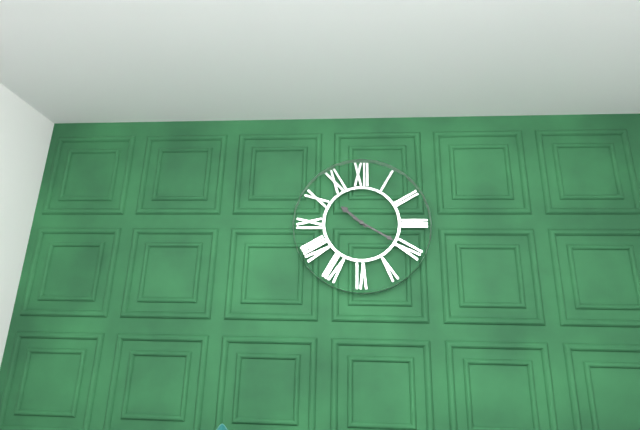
**10:20**
